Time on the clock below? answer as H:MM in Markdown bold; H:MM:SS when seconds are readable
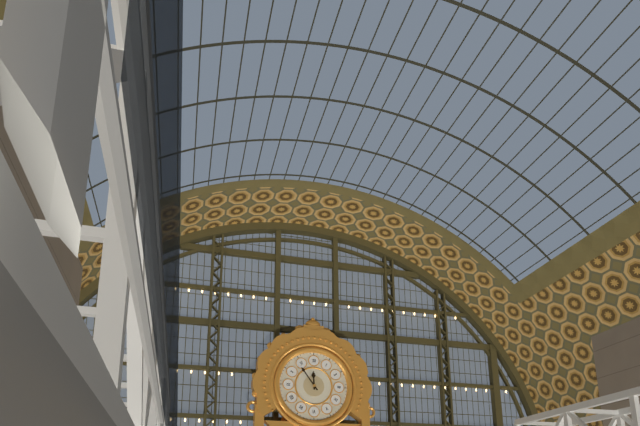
**11:54**
